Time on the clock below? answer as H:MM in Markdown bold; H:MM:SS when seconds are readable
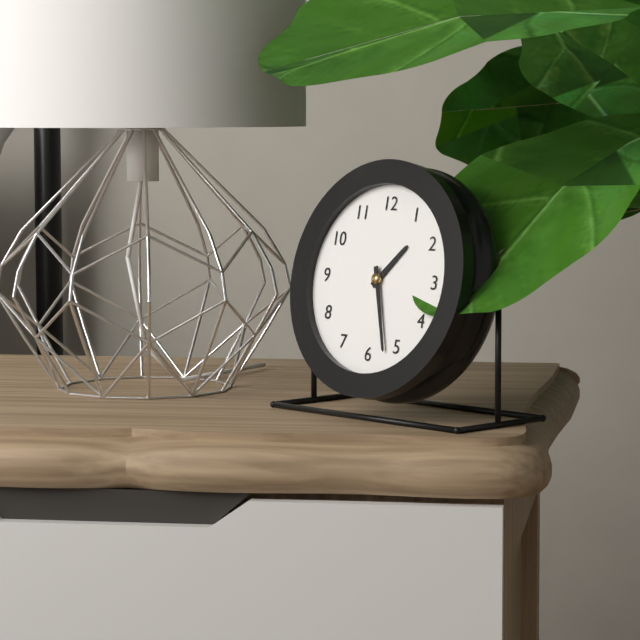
**1:27**
